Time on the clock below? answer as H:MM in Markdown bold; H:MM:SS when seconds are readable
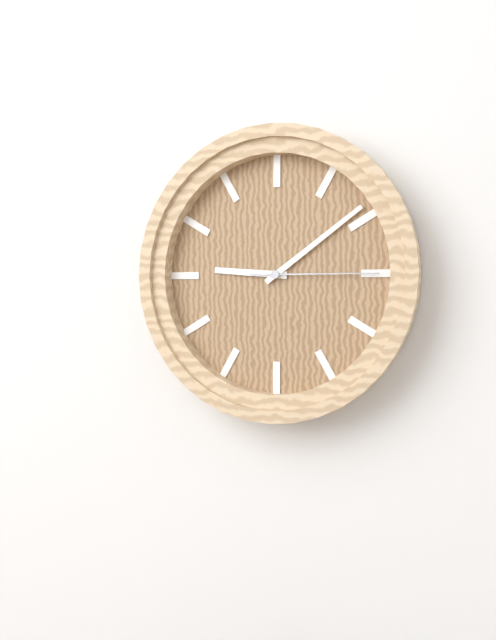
**9:09:15**
